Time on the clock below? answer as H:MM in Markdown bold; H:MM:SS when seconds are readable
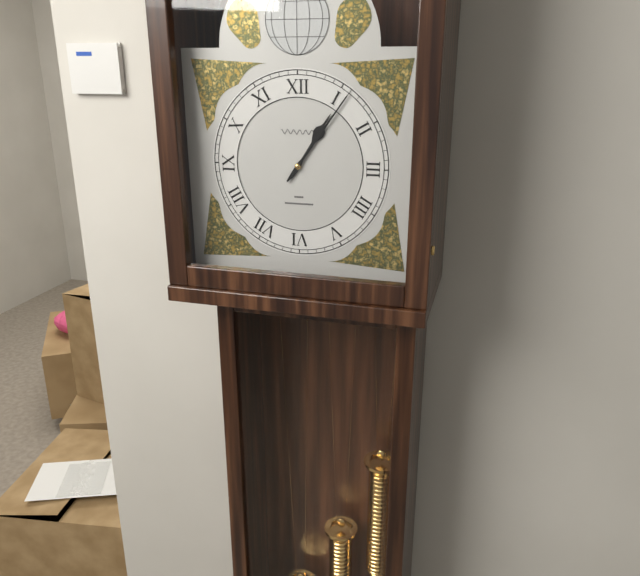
**1:06**
